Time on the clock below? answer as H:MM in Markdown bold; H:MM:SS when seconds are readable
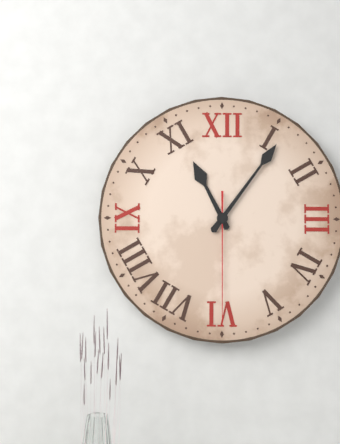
**11:06:30**
